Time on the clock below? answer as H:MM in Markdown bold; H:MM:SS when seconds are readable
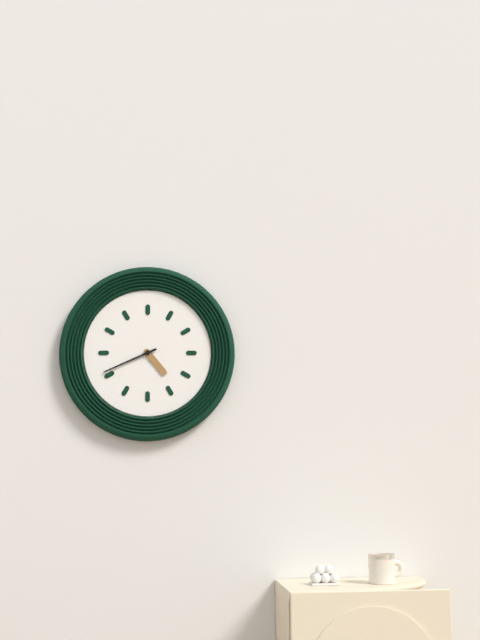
**4:41**
